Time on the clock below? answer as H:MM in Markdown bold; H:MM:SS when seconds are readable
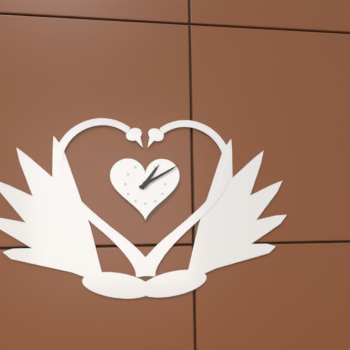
**1:10**
